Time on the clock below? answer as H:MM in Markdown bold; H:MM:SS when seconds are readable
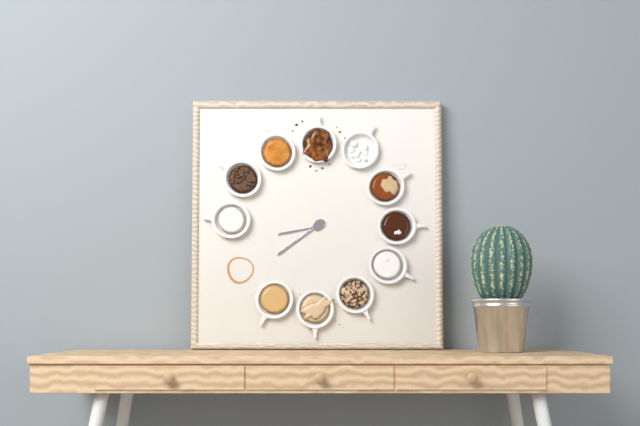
**8:39**
